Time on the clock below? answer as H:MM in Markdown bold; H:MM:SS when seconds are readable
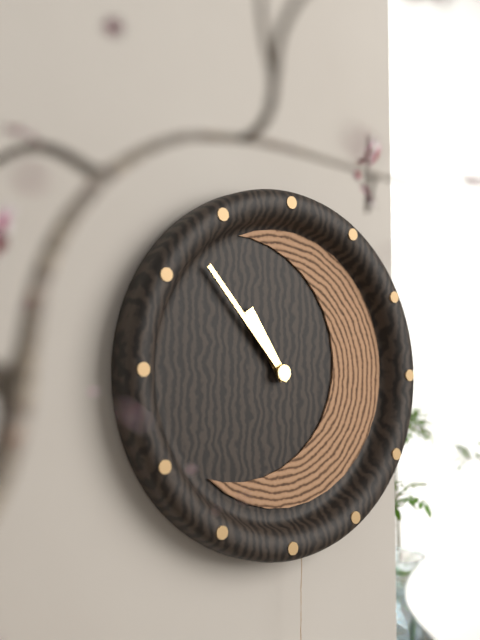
**10:53**
